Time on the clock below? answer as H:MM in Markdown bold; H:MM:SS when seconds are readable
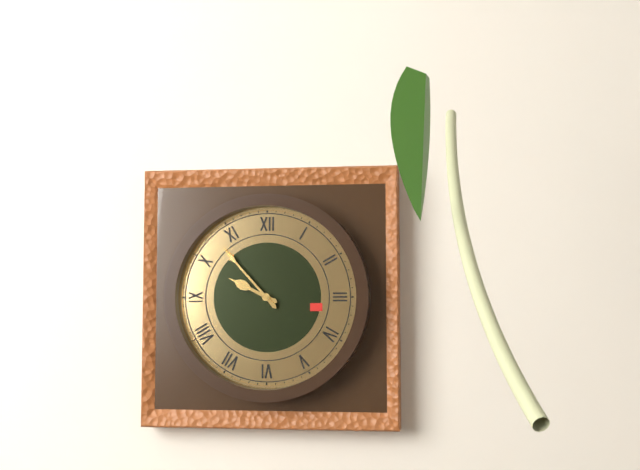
**9:53**
